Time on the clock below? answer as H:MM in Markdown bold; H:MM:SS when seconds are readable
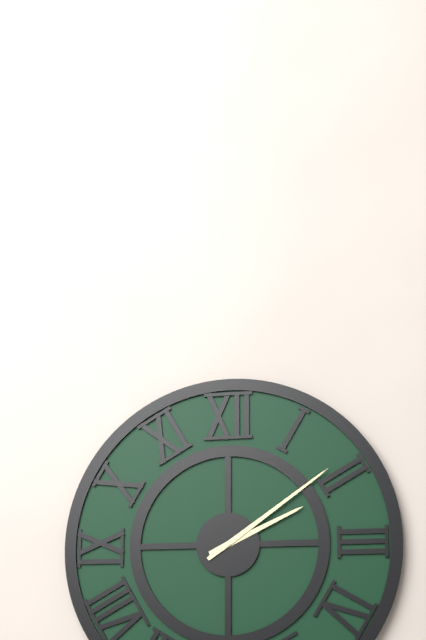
**2:09**
